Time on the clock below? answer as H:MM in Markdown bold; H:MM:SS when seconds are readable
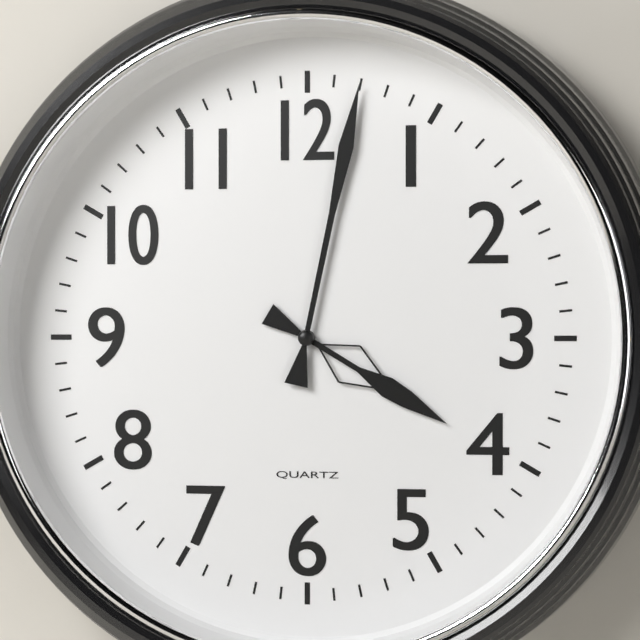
**4:02**
